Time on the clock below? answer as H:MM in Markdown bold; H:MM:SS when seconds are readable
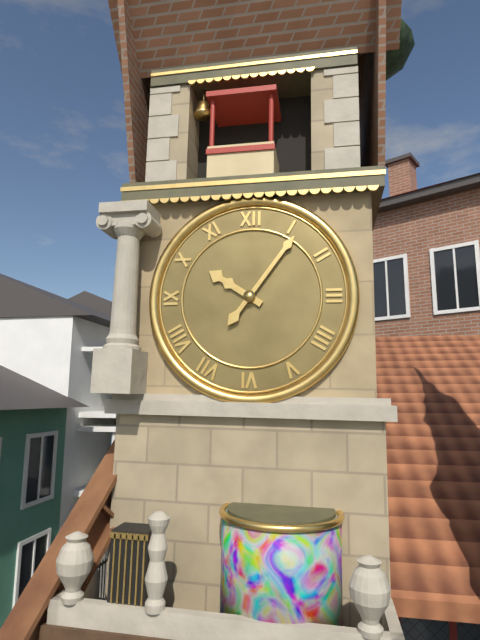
**10:06**
